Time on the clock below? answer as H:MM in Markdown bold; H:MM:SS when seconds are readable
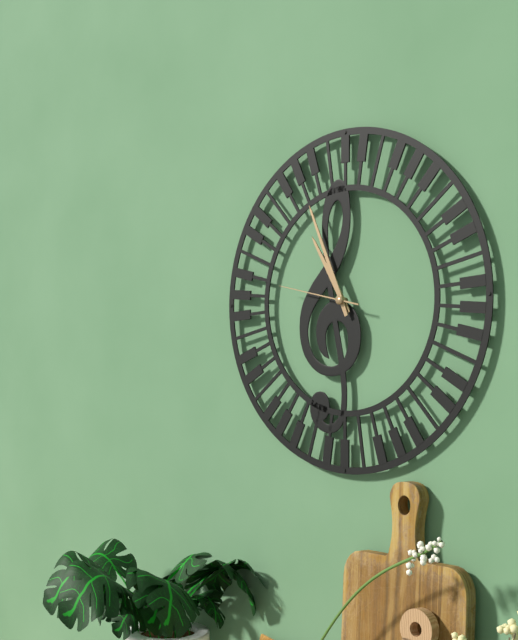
**10:56:47**
